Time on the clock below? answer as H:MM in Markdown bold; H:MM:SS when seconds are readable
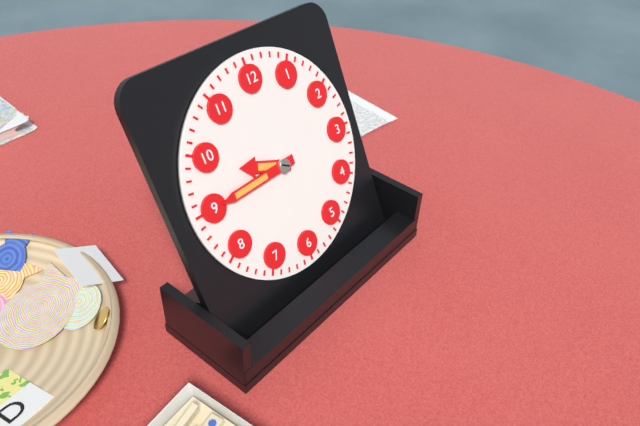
**9:45**
